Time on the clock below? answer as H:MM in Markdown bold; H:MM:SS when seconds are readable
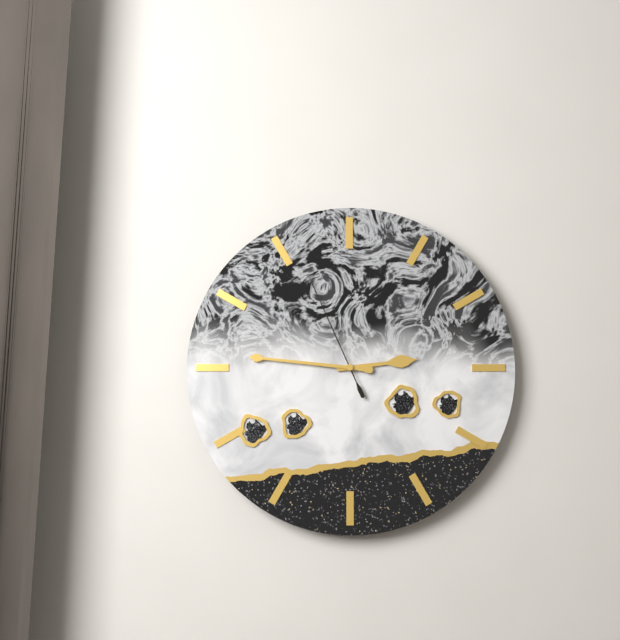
**2:46:56**
